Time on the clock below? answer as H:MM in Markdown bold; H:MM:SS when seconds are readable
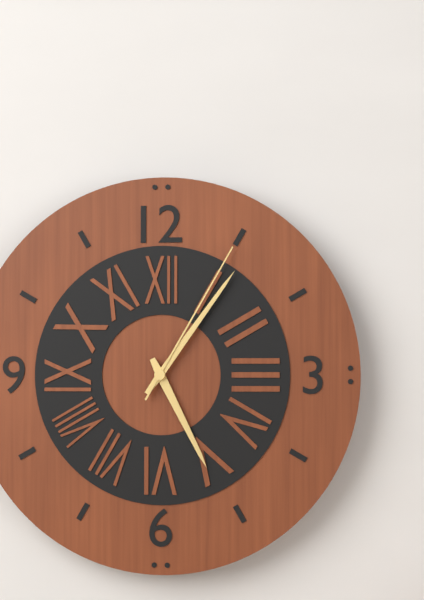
**5:06:05**
